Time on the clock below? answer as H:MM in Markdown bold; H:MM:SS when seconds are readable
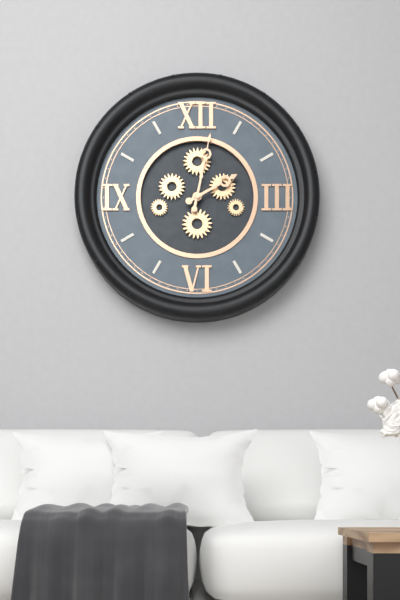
**2:02**
